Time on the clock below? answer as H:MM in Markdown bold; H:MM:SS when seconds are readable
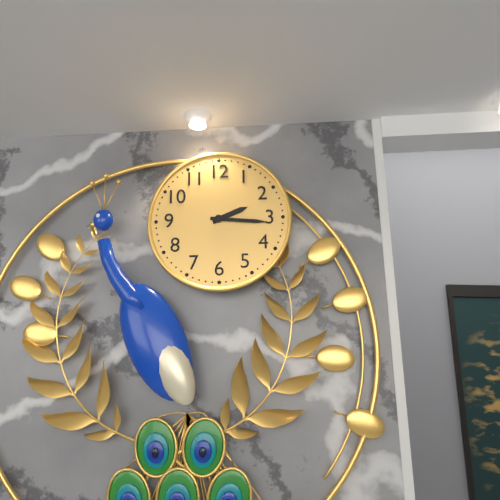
**2:16**
